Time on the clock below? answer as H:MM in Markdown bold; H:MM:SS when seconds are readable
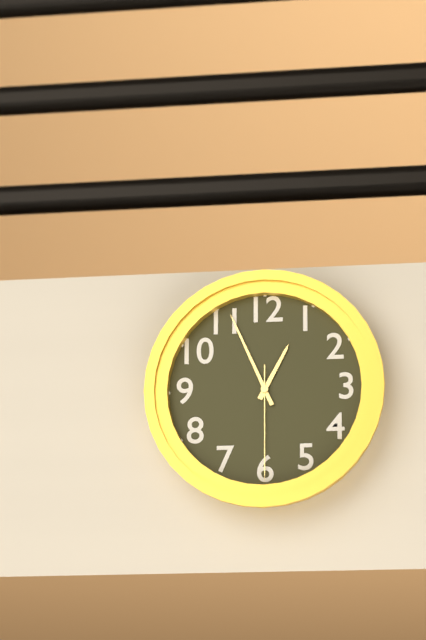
**12:56:30**
